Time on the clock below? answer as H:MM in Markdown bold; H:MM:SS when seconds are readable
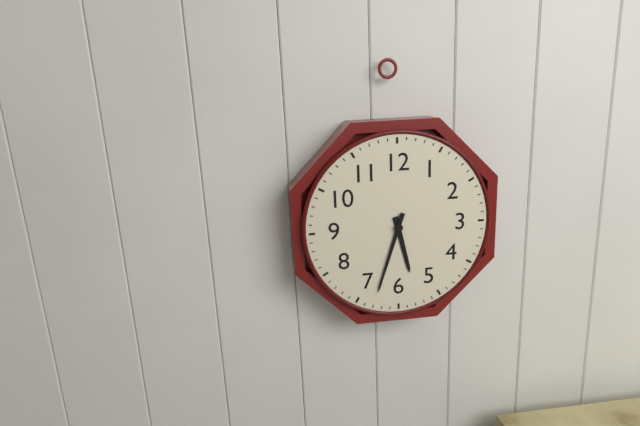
**5:33**
